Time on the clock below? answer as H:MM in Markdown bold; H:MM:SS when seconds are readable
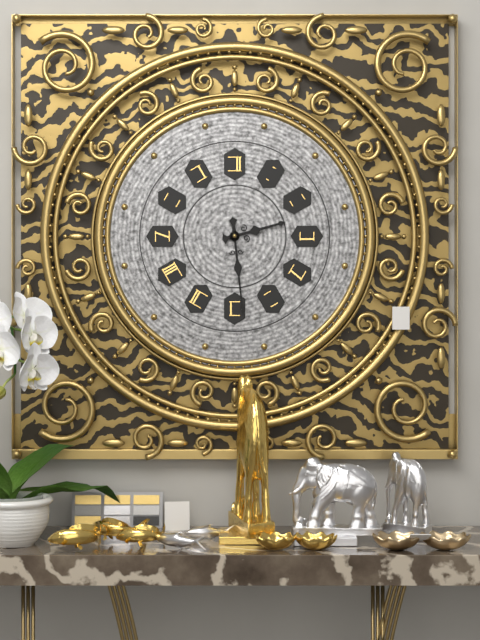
**2:29**
